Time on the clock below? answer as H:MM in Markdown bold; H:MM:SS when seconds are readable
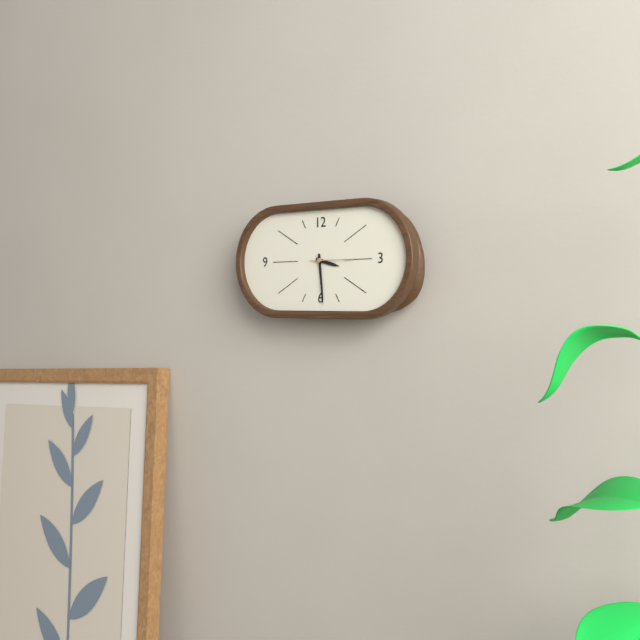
**3:29**
